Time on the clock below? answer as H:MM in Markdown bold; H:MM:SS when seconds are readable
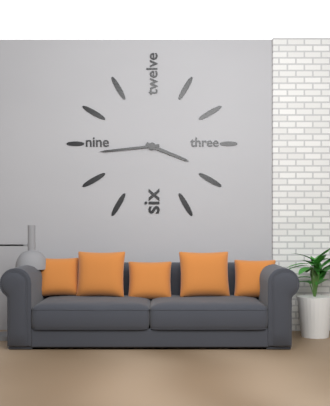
**3:44**
